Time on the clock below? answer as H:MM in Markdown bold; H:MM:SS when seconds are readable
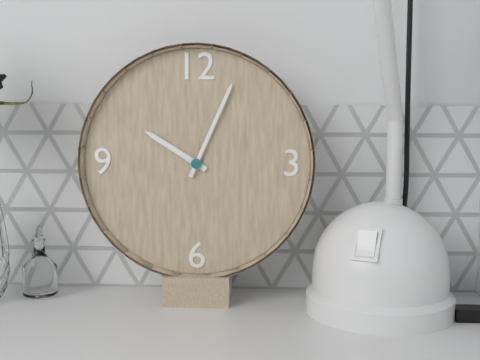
**10:04**
